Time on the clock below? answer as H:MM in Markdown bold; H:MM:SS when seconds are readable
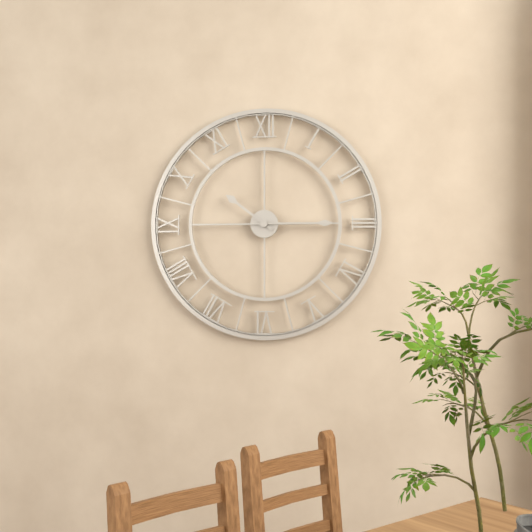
**10:15**
